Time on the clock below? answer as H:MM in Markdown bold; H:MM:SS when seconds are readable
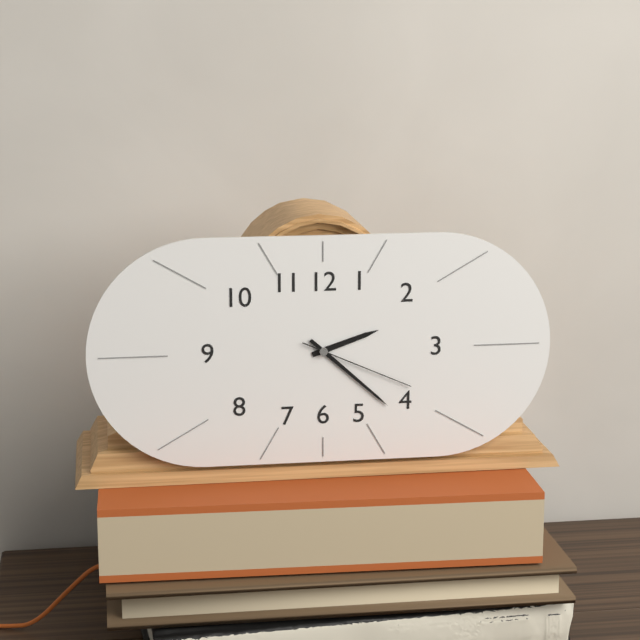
**2:22:19**
